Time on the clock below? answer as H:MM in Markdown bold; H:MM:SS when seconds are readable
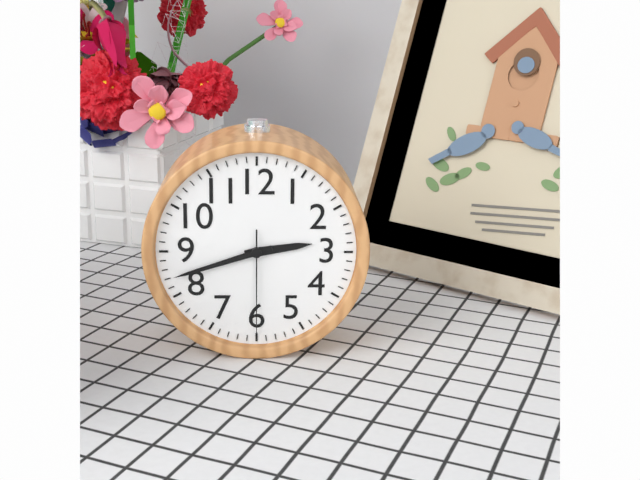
**2:42:30**
